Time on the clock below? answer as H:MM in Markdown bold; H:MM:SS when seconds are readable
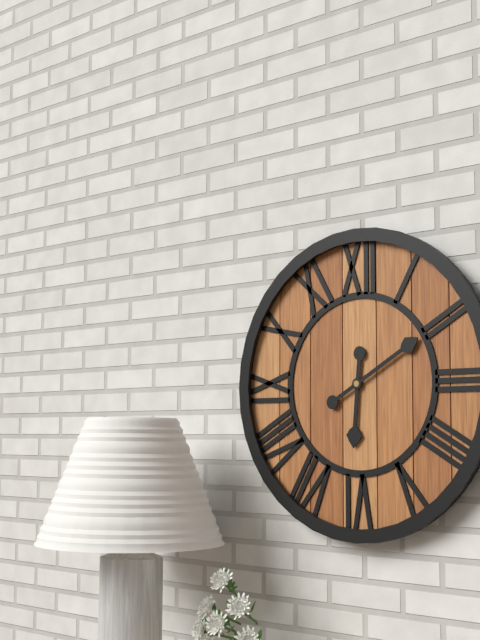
**6:10**
